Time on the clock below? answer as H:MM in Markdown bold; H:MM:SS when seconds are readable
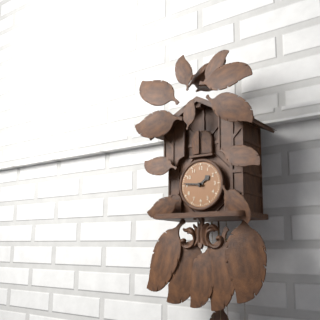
**1:46**
